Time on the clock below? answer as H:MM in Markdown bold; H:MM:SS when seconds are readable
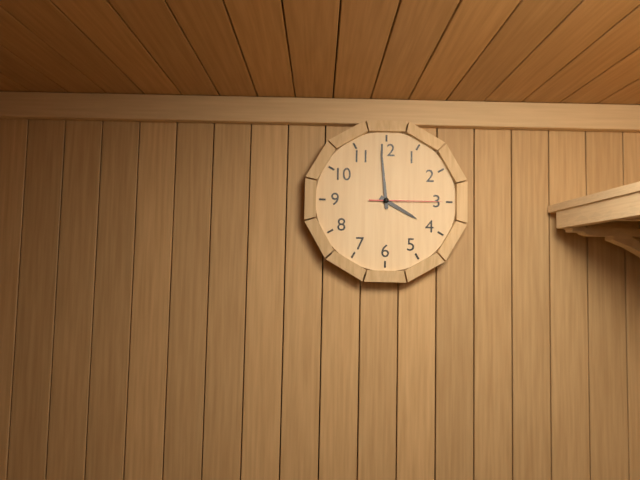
**3:59:15**
